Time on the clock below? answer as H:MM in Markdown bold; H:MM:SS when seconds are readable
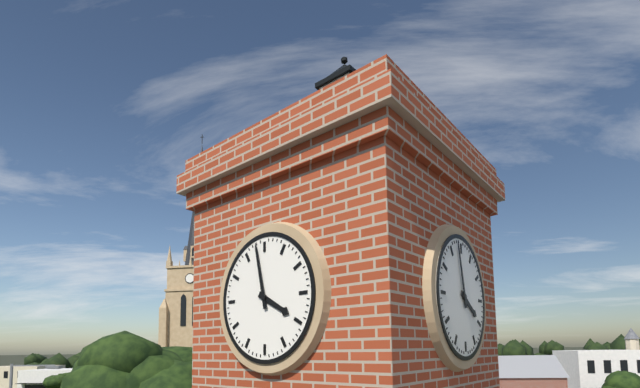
**3:58**
